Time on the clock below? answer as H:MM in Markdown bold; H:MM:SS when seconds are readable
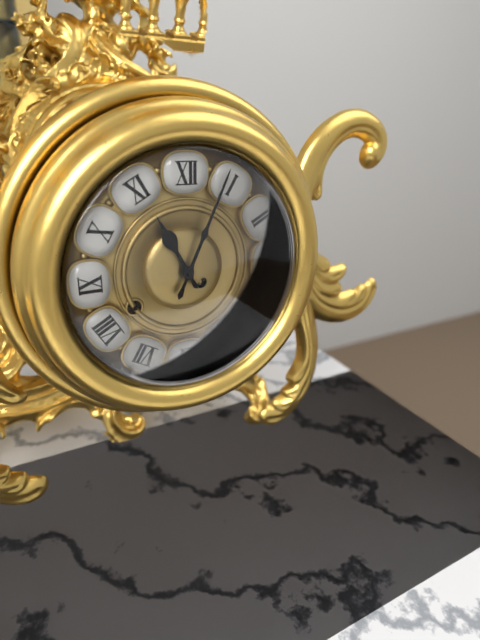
**11:04**
